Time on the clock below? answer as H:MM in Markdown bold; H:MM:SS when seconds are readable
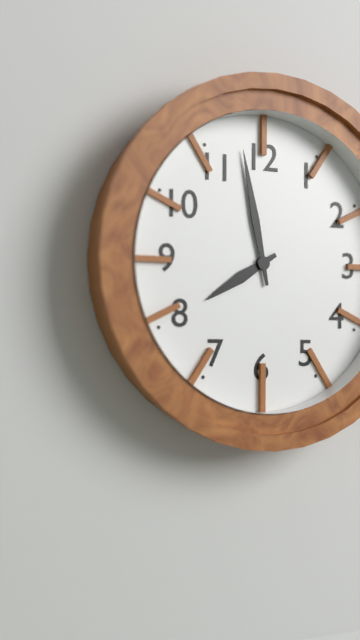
**7:58**
